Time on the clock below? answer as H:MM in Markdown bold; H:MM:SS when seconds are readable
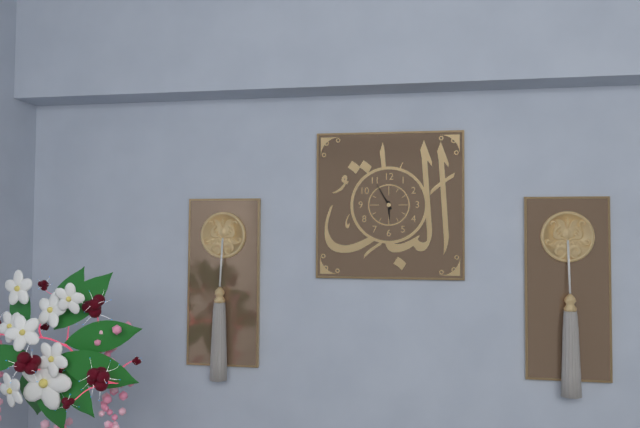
**5:55**
